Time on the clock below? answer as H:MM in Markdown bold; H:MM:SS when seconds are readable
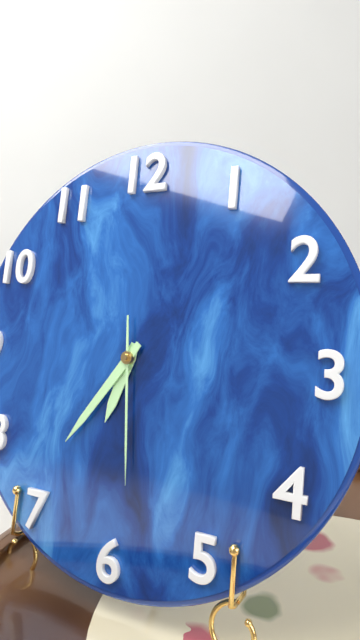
**6:36:29**
